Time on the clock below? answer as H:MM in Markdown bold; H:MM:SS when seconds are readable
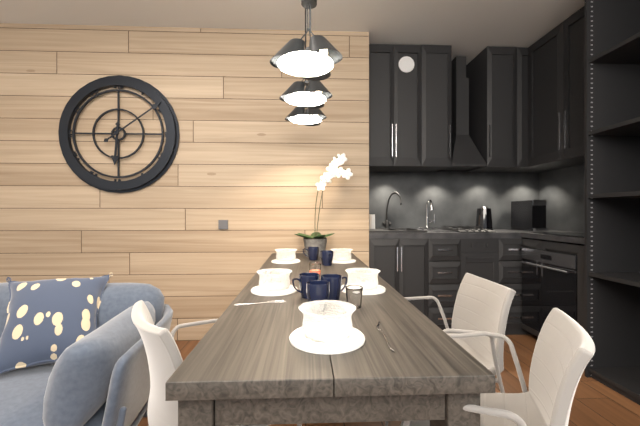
**6:09**
